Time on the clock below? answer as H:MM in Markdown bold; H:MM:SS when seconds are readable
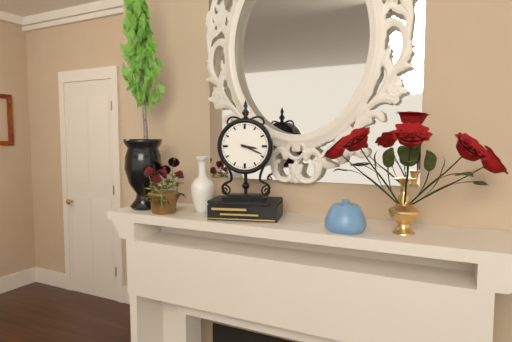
**3:19**
